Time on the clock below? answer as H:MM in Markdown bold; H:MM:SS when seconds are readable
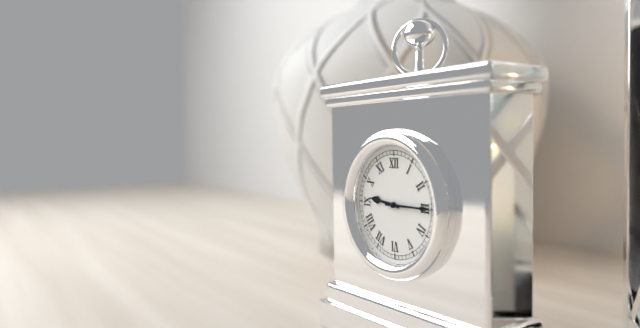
**9:15**
